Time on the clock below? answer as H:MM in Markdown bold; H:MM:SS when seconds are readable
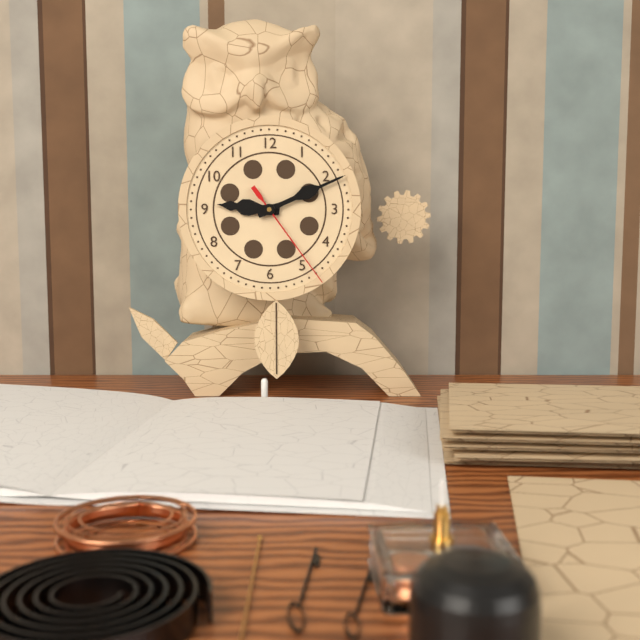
**9:11:24**
